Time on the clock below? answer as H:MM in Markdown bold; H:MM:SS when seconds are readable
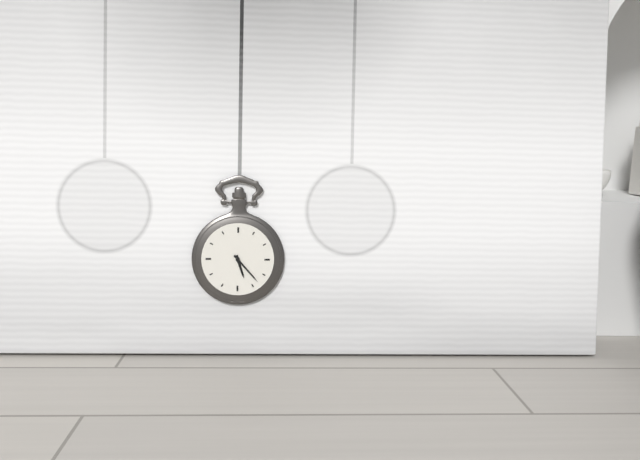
**5:23**
